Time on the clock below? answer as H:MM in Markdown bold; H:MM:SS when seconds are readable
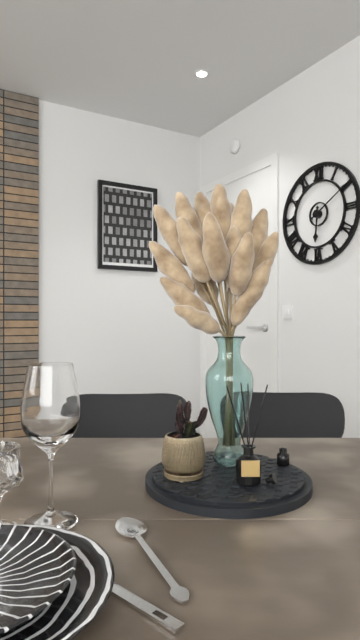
**6:10**
